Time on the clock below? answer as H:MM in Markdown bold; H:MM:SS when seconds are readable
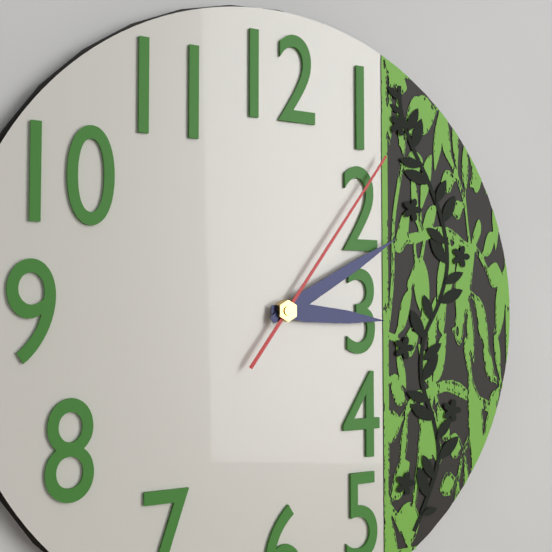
**3:10:06**
